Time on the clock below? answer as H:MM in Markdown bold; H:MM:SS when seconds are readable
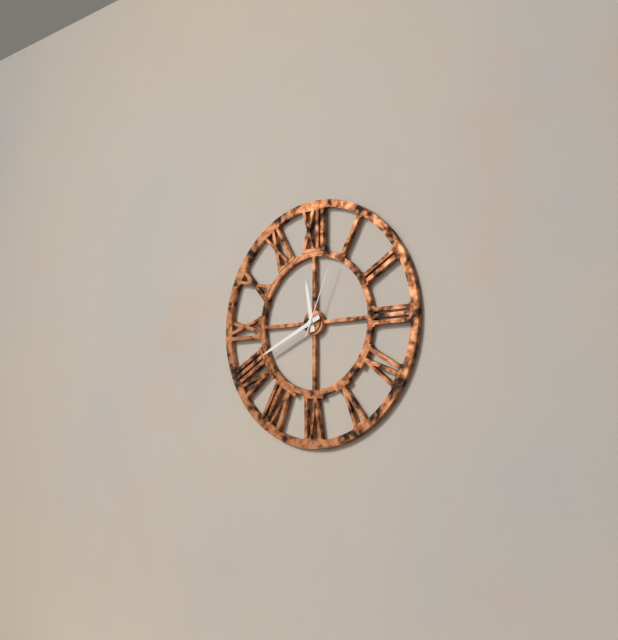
**11:41:04**
